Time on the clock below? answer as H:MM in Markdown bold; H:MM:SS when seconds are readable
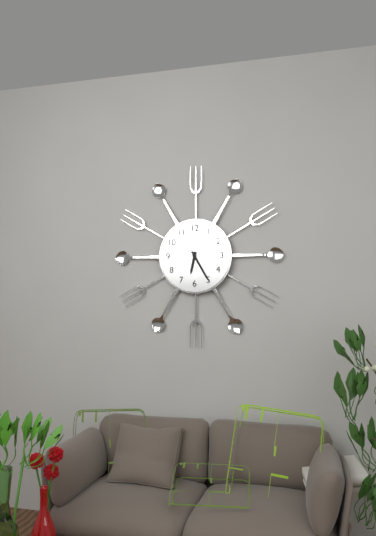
**6:25**
